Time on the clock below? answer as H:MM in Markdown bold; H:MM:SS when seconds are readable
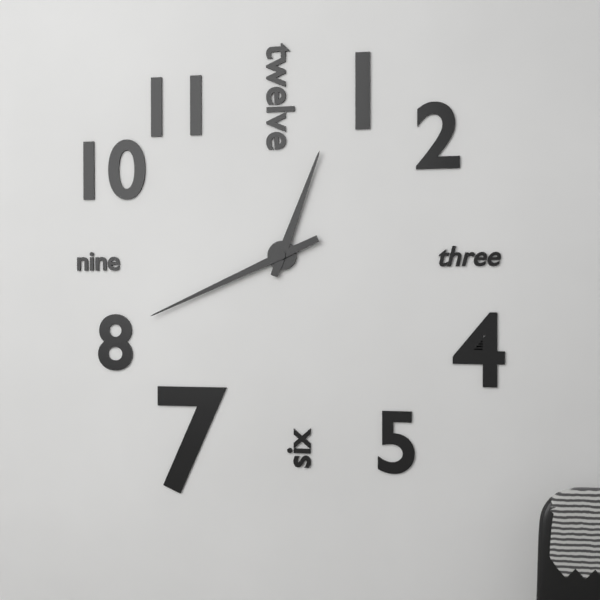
**12:41**
